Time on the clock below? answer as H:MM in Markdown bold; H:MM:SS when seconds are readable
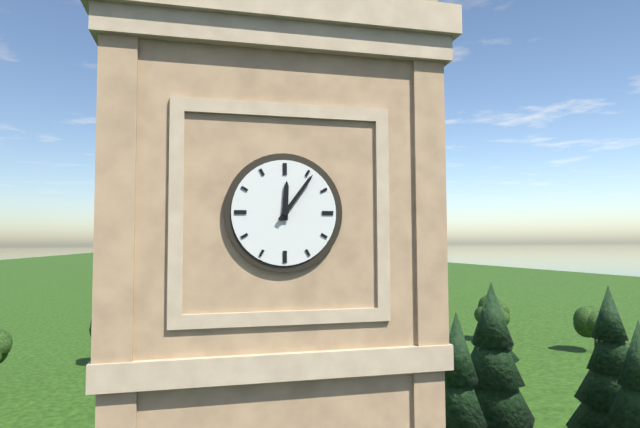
**12:06**
